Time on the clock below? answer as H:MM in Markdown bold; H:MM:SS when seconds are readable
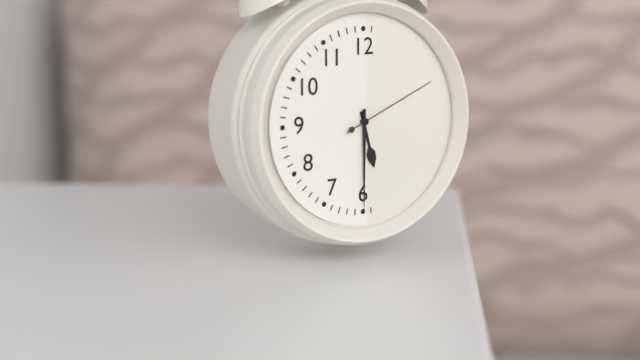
**5:30:11**
